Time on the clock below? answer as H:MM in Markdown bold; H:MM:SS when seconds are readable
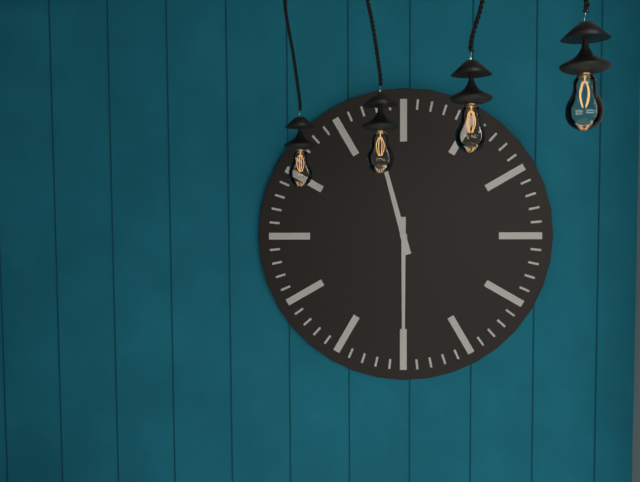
**11:30**
